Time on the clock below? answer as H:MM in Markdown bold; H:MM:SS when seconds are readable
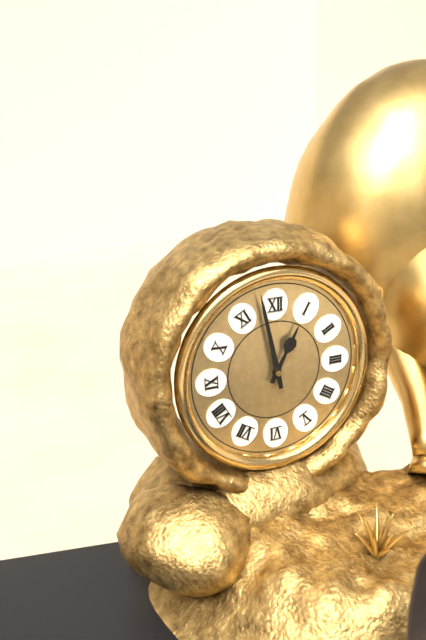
**12:58**
